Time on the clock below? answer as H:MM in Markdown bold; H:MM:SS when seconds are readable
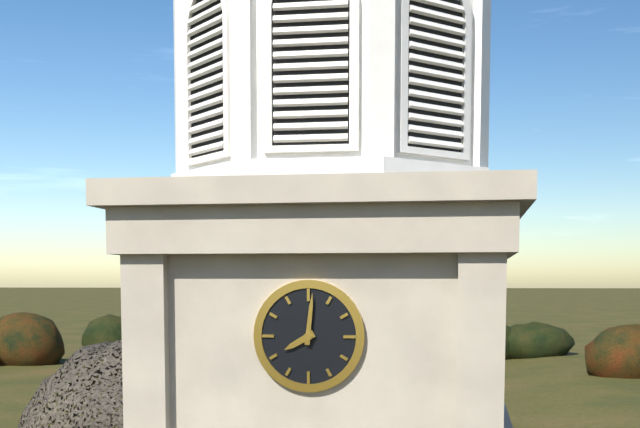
**8:01**
